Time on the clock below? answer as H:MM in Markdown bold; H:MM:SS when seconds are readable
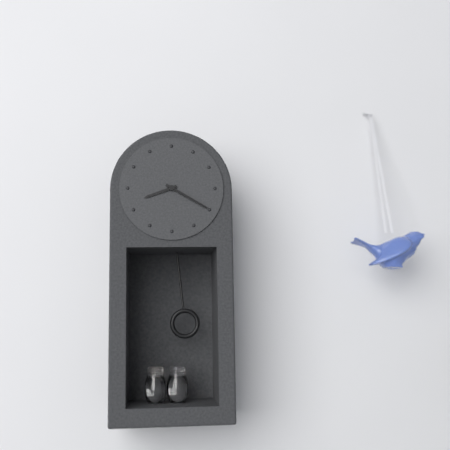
**8:20**
